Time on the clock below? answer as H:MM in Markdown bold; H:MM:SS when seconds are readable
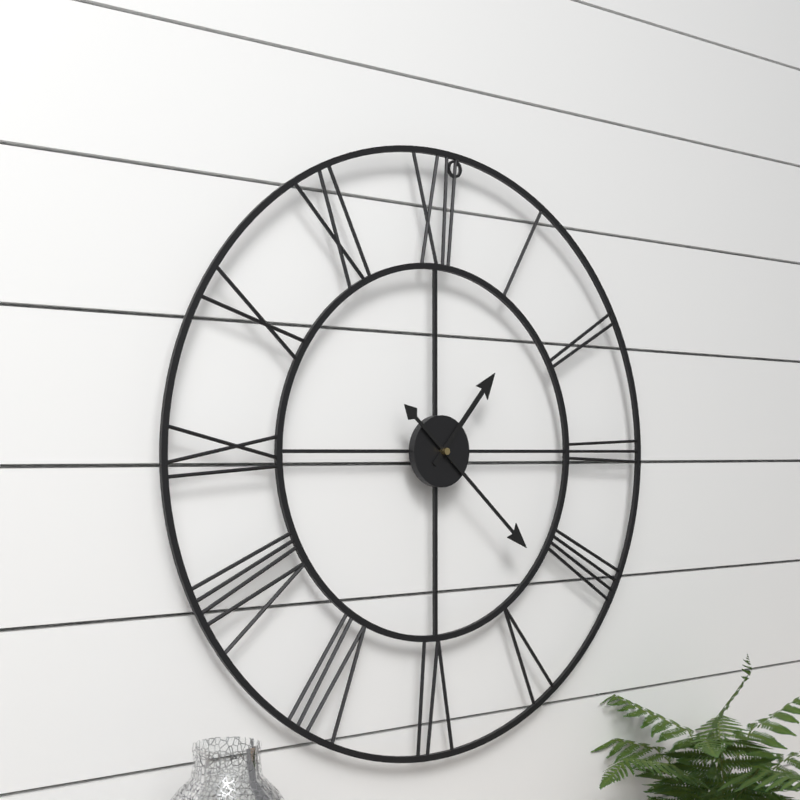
**1:22**
